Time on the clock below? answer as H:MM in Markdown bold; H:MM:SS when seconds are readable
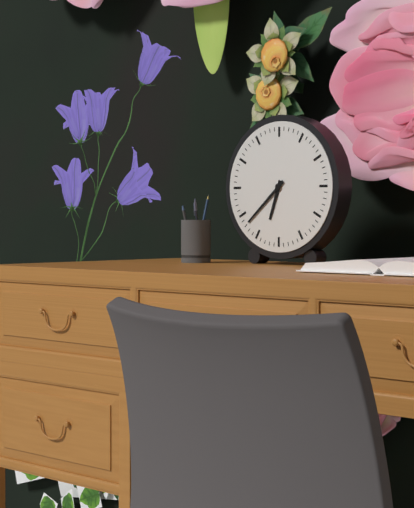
**6:38**
